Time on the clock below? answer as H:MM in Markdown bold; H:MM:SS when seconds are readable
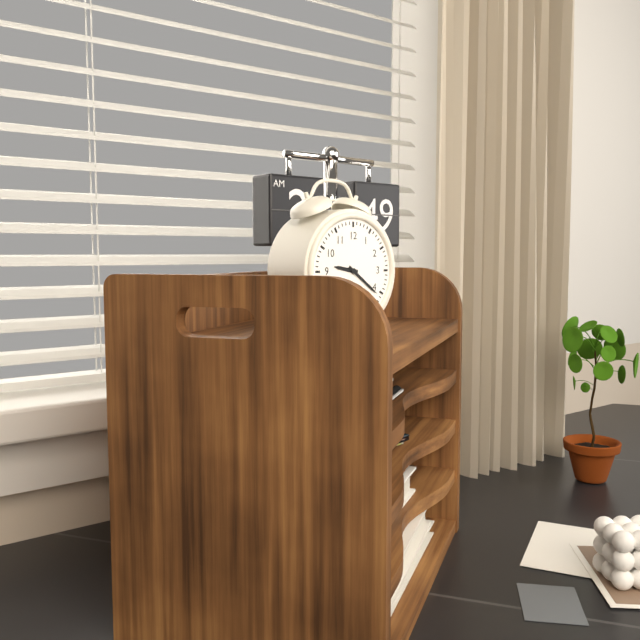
**9:21**
